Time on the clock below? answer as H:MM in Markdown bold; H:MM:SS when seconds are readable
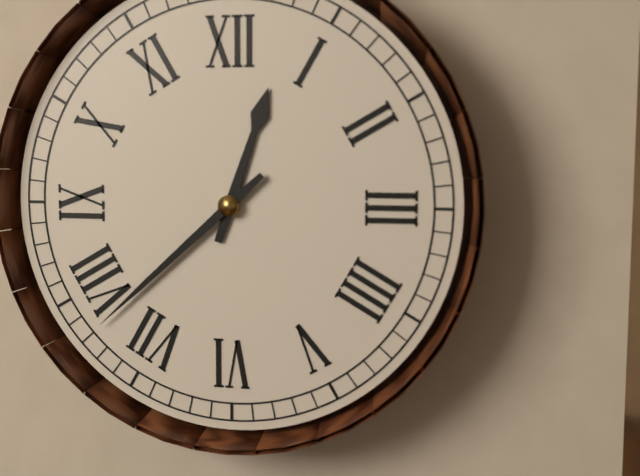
**12:38**
